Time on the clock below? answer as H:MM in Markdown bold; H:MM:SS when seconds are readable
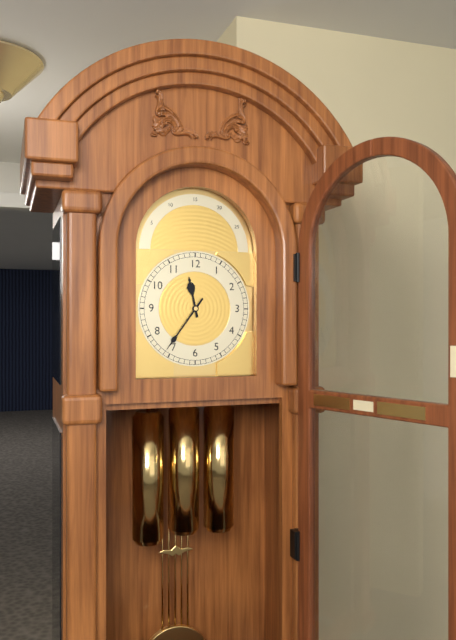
**11:36**
